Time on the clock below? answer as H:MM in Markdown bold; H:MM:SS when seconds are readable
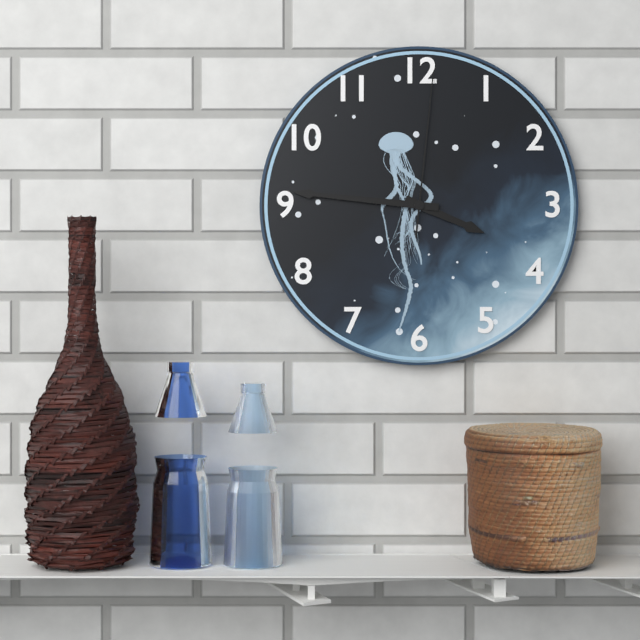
**3:46:01**
